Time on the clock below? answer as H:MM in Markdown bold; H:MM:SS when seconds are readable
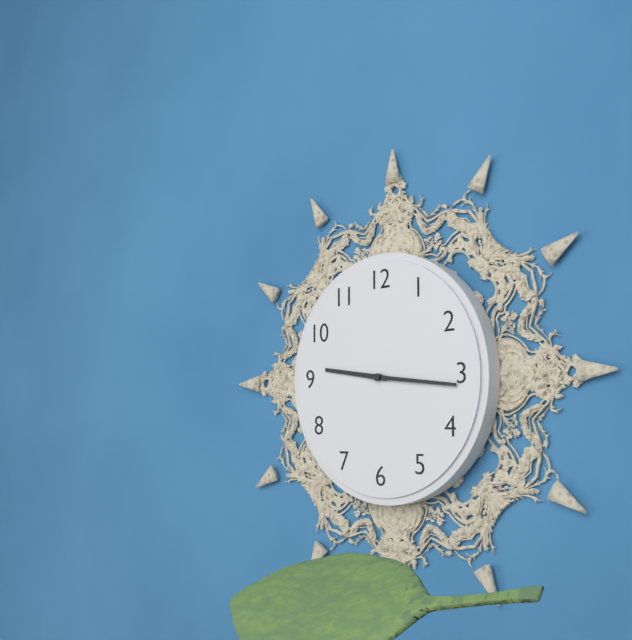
**9:16**
